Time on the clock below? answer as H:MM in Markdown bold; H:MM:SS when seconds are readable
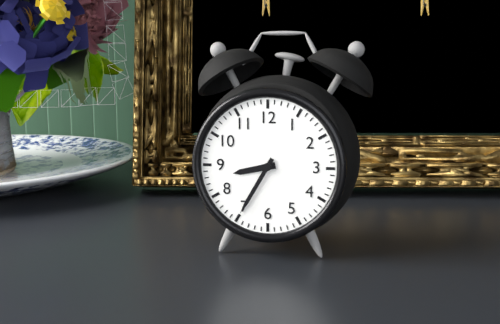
**8:35**
